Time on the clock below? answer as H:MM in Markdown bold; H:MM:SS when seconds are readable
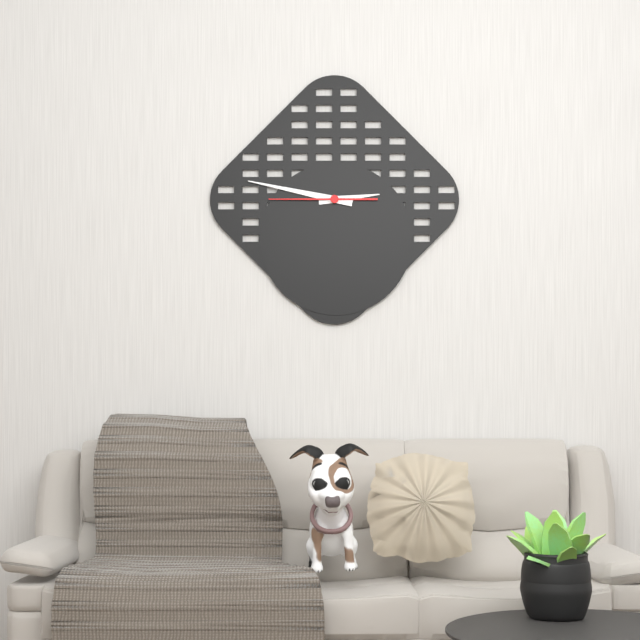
**2:47:45**
